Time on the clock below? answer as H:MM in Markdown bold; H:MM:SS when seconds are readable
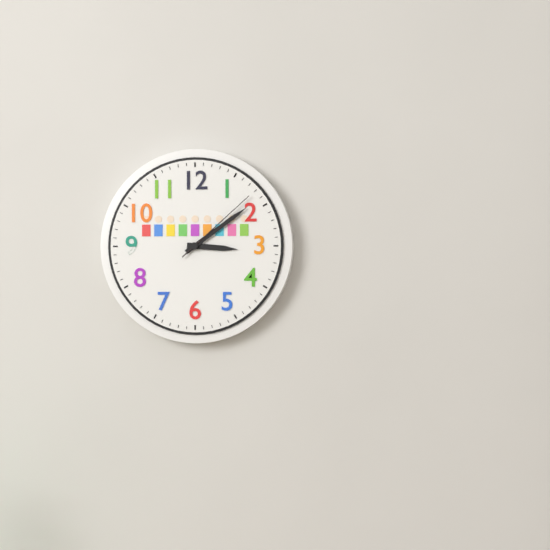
**3:09:08**
